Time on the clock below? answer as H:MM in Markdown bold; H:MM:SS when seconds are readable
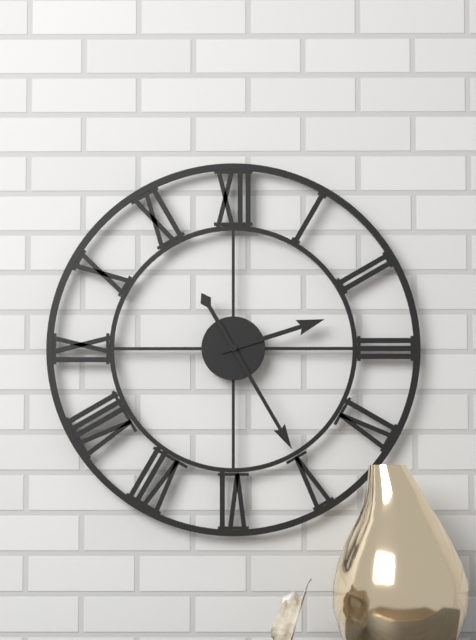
**2:25**
